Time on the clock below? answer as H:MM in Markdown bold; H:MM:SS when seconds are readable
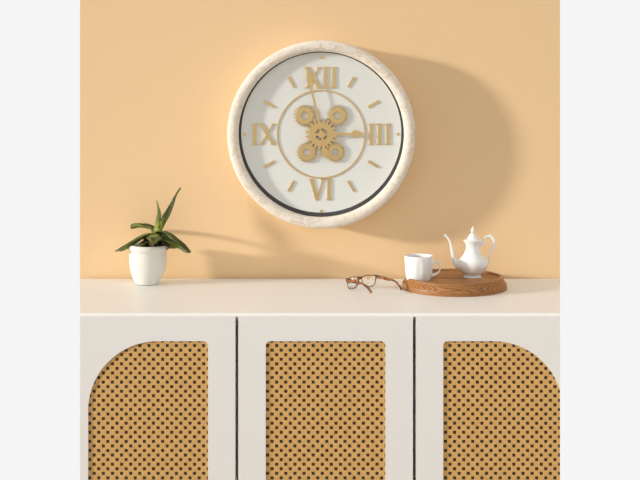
**2:58**
